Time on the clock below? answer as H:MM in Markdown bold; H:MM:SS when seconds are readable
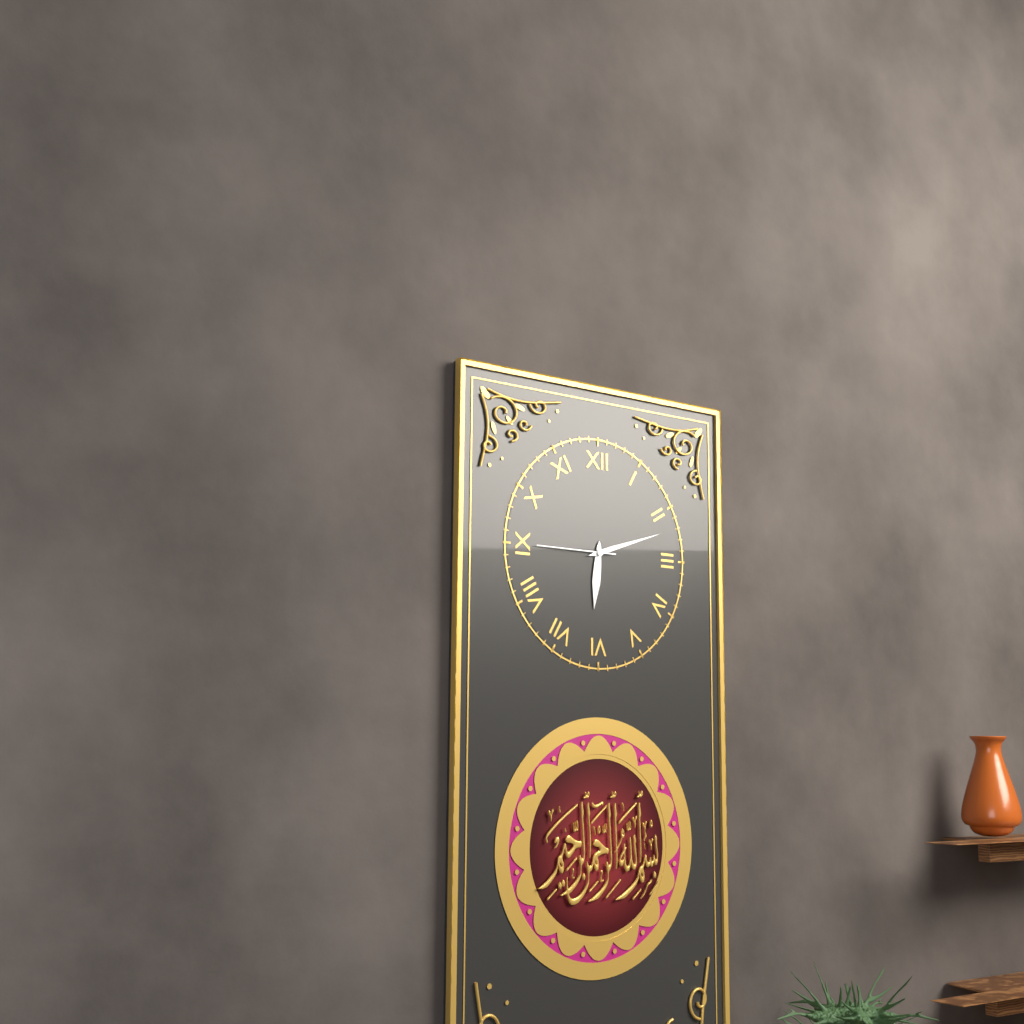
**6:12:45**
